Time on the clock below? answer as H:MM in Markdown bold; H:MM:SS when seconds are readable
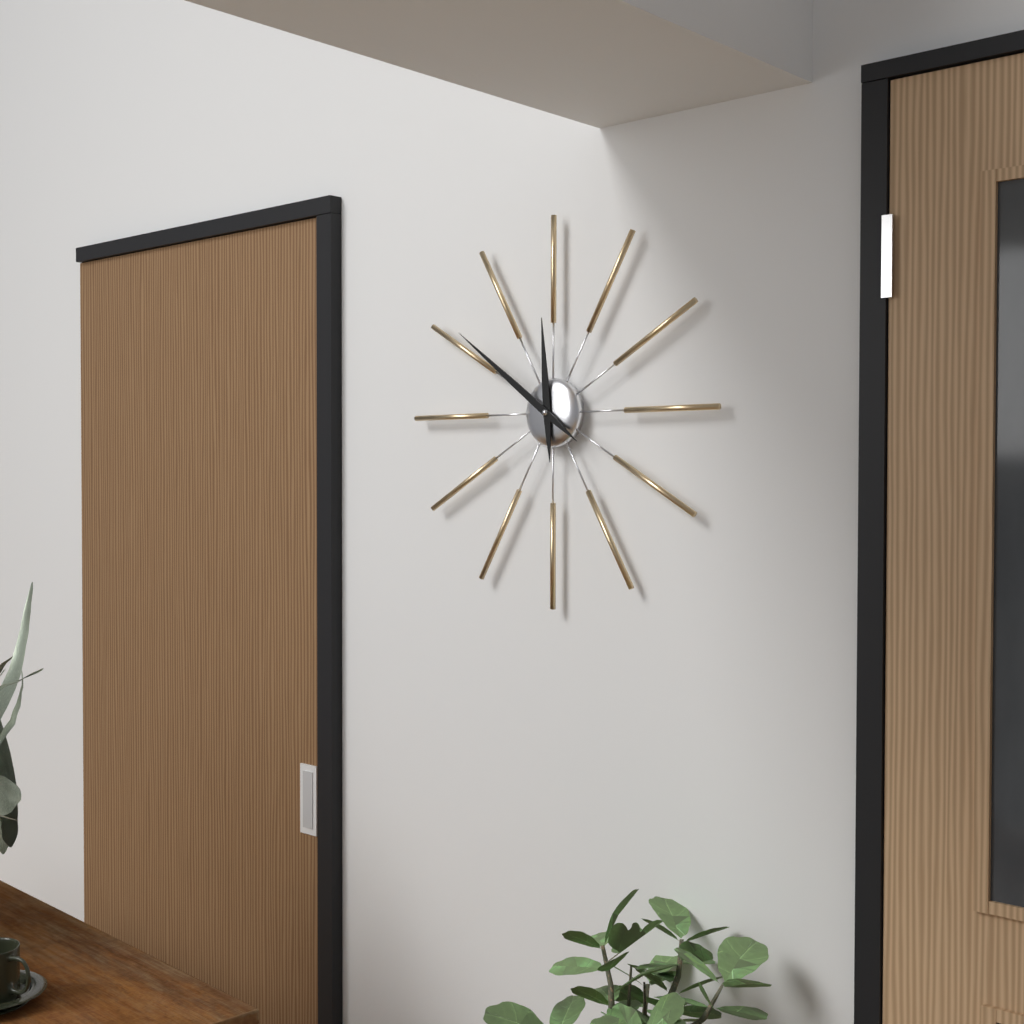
**11:51**
